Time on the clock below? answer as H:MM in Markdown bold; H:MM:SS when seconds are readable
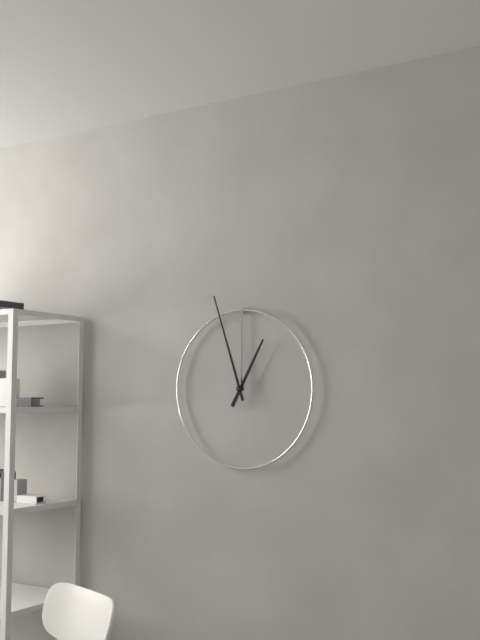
**12:57**
